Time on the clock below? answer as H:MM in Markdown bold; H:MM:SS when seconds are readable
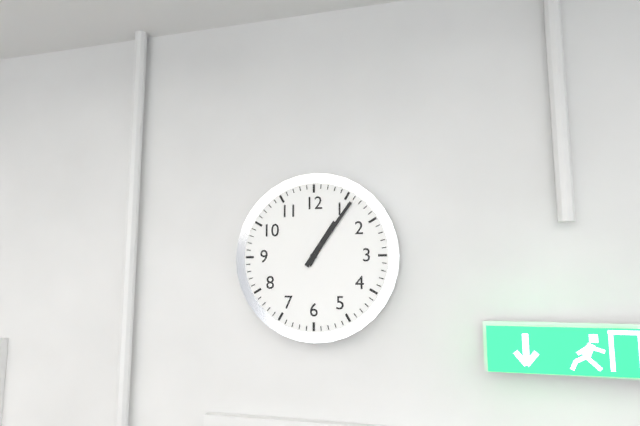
**1:06**
